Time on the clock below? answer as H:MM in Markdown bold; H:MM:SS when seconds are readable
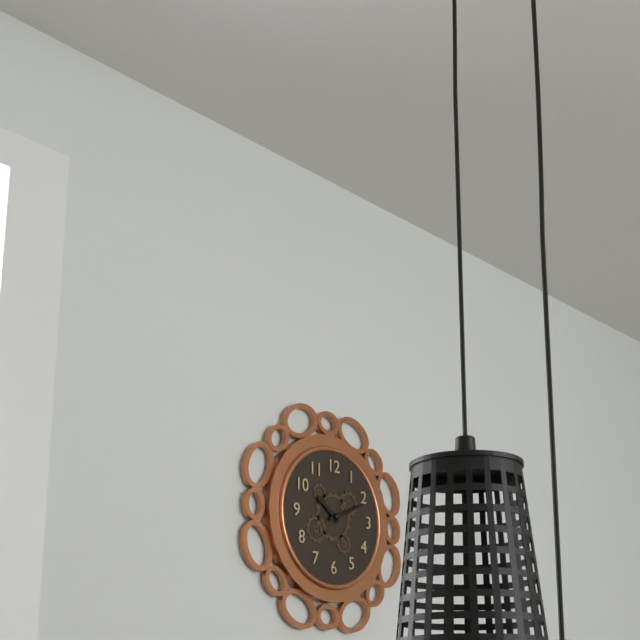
**10:11**
